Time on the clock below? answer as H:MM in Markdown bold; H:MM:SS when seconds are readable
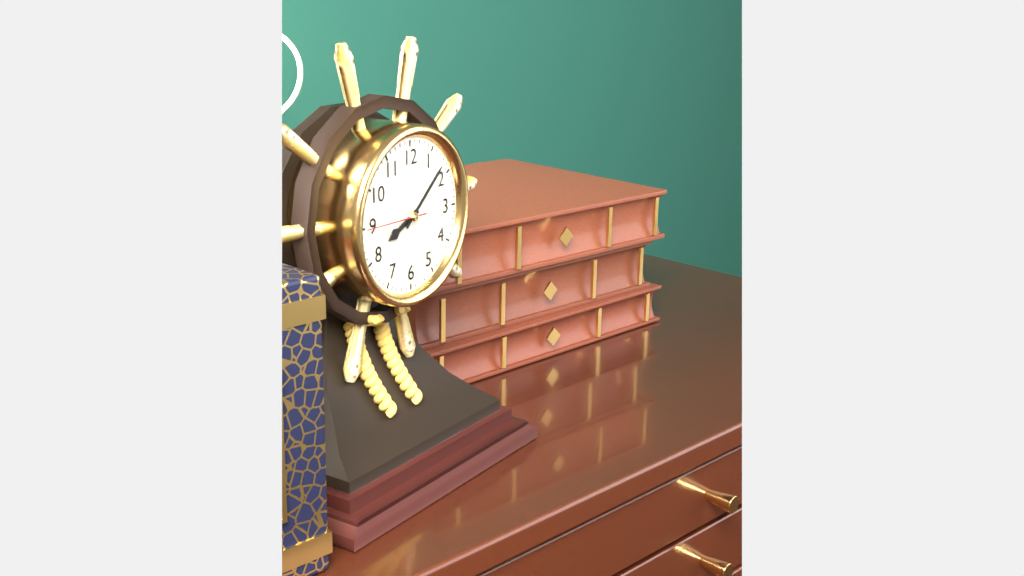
**8:08:45**
